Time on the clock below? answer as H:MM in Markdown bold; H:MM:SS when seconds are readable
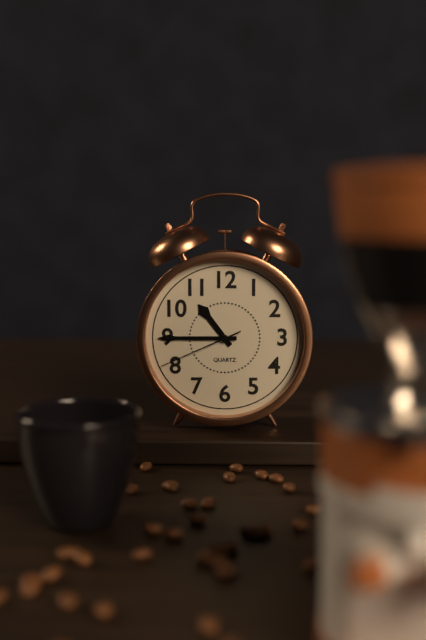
**10:45:41**
